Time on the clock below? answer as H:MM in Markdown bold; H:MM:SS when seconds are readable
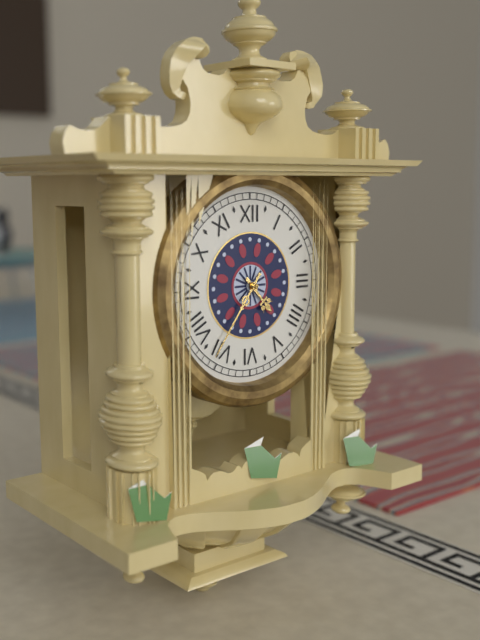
**4:36**
